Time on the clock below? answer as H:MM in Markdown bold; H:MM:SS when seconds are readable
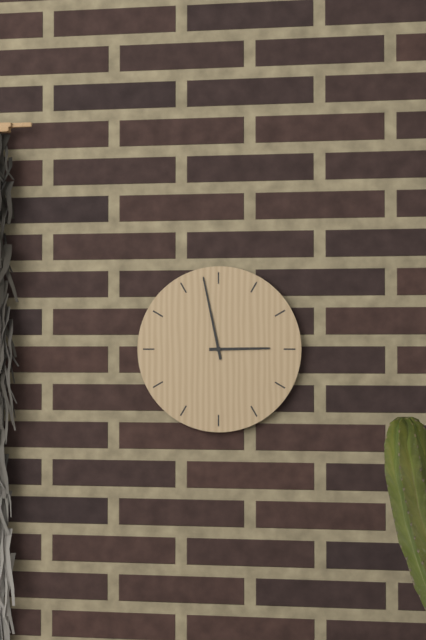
**2:58**
